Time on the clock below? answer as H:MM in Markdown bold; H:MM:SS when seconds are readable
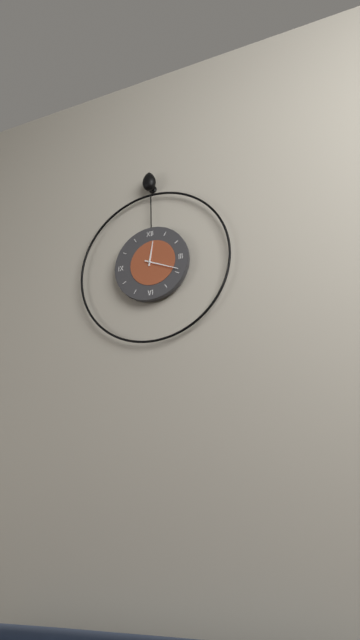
**12:19**
